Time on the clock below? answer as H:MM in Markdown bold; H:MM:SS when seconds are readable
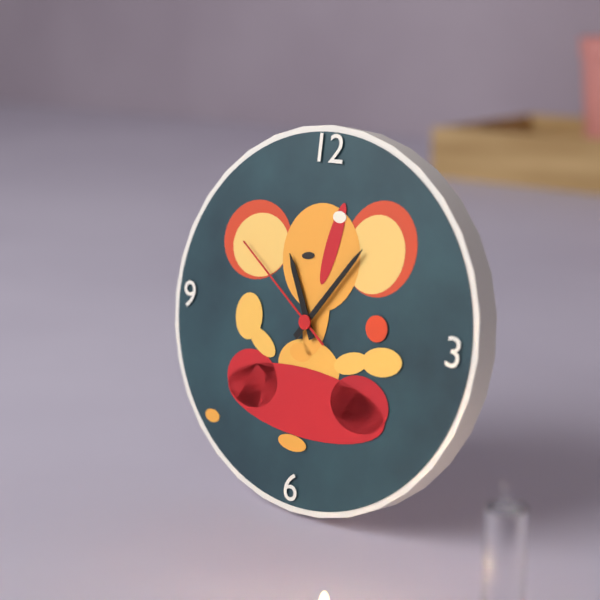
**11:06:51**
